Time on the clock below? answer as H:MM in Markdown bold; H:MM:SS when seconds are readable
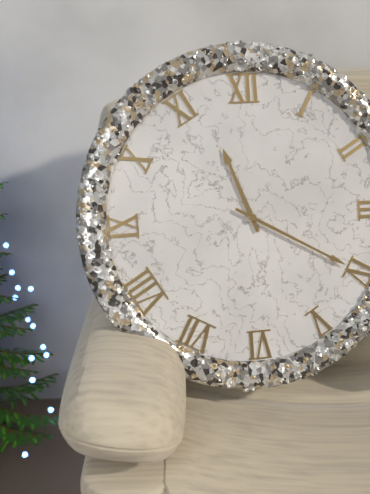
**11:20**
